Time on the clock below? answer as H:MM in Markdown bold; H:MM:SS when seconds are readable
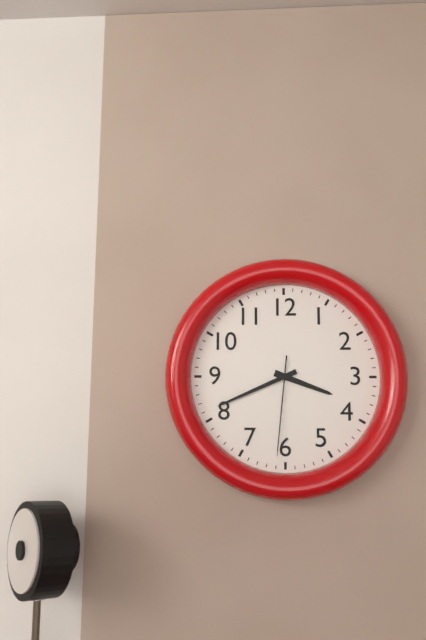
**3:41:31**
